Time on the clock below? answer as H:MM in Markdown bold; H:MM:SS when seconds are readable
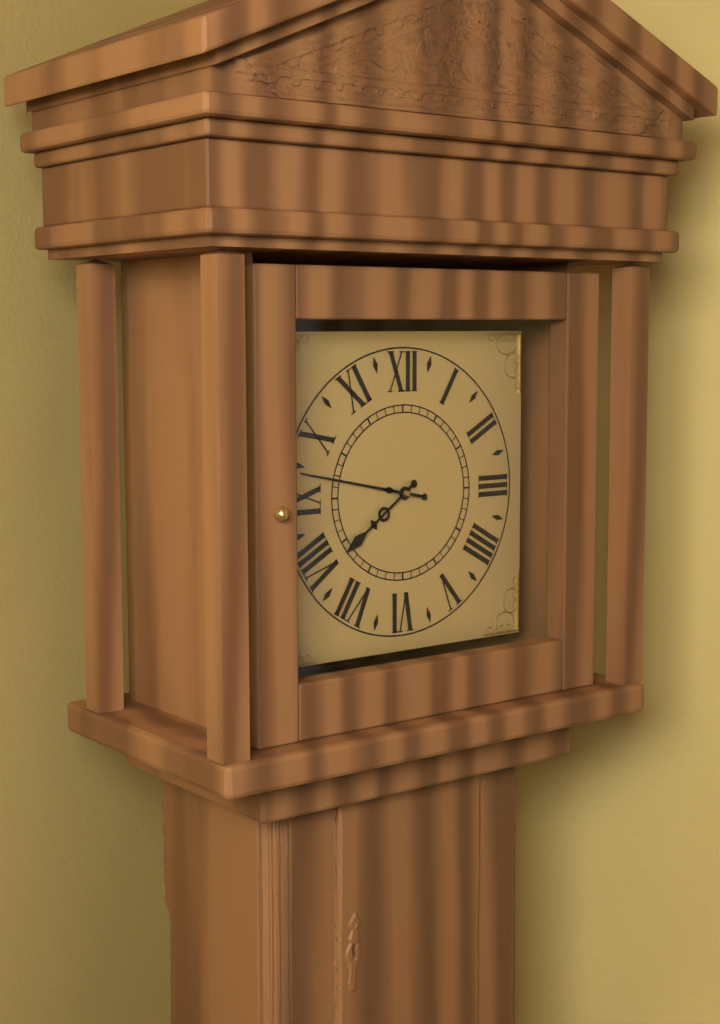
**7:47**
